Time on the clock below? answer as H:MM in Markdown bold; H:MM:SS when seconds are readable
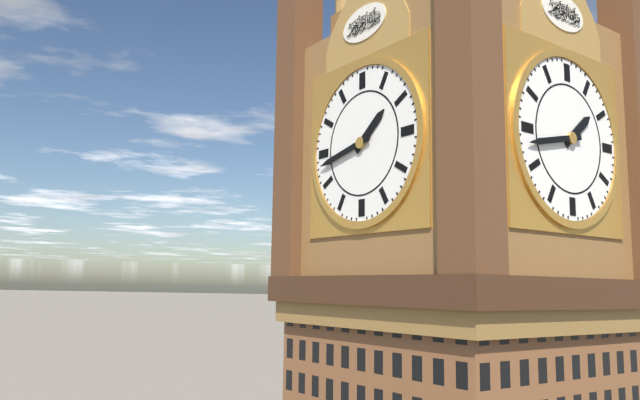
**1:43**
